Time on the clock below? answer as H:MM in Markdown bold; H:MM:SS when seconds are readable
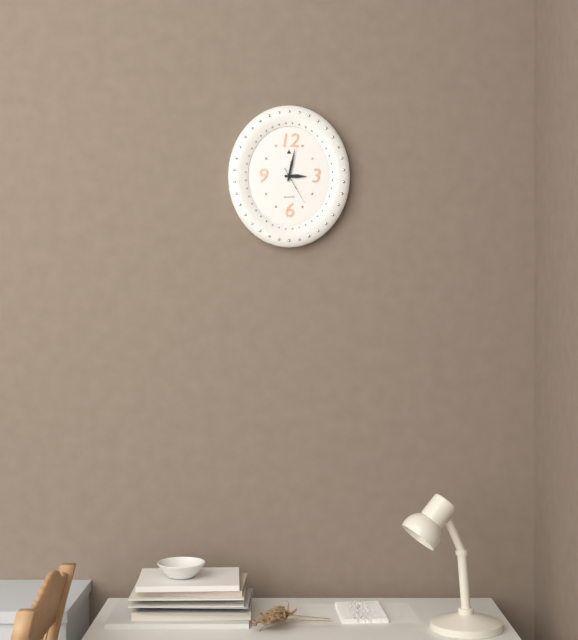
**3:02**
